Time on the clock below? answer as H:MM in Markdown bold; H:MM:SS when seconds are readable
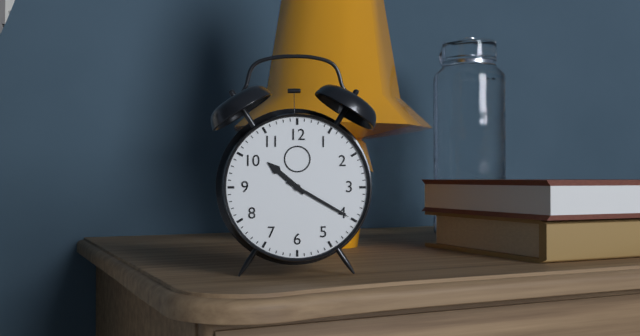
**10:20**
